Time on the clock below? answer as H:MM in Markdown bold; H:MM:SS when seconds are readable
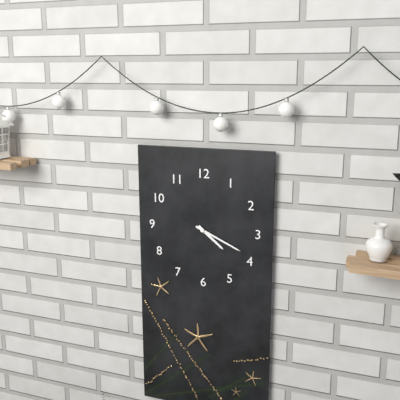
**4:19**
